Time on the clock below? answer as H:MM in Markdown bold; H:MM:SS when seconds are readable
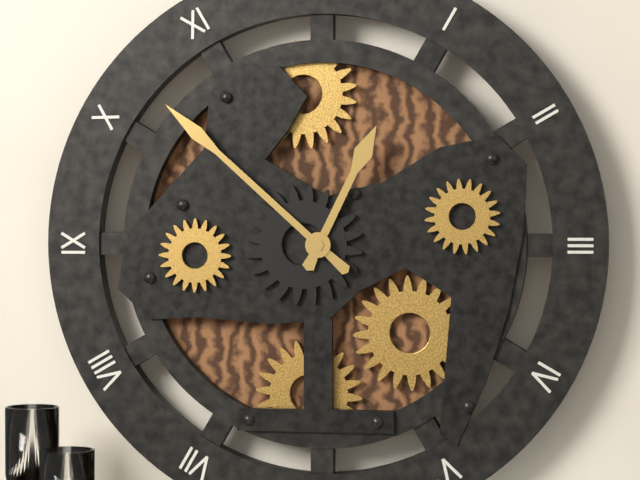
**12:52**
